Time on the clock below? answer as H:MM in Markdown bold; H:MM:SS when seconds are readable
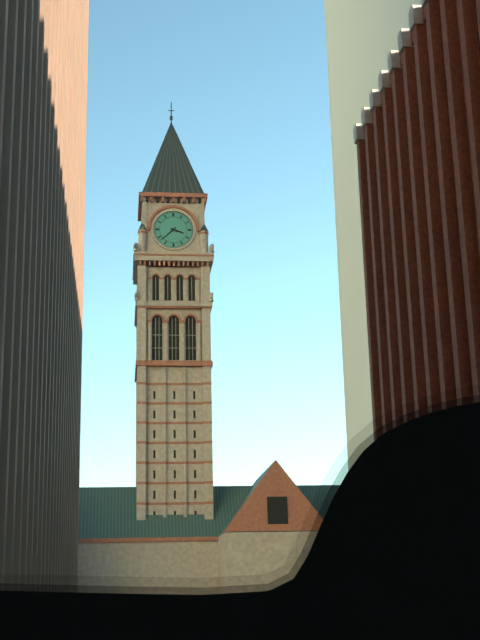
**3:38**
